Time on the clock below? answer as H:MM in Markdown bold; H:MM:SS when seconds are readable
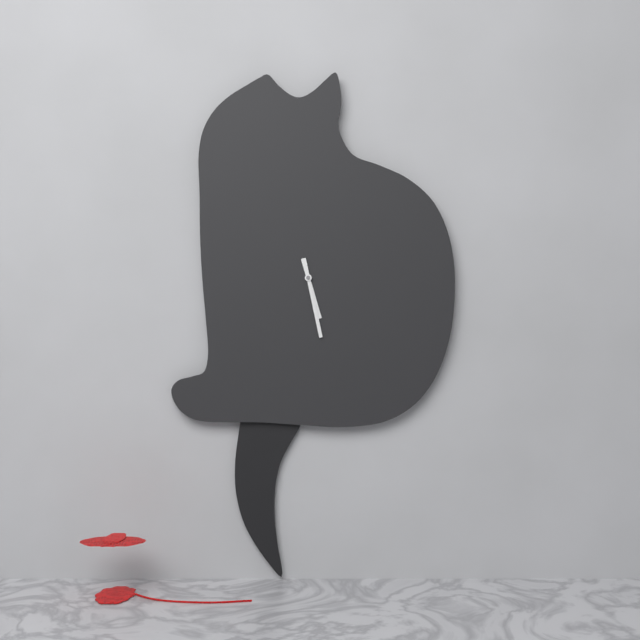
**5:28**
